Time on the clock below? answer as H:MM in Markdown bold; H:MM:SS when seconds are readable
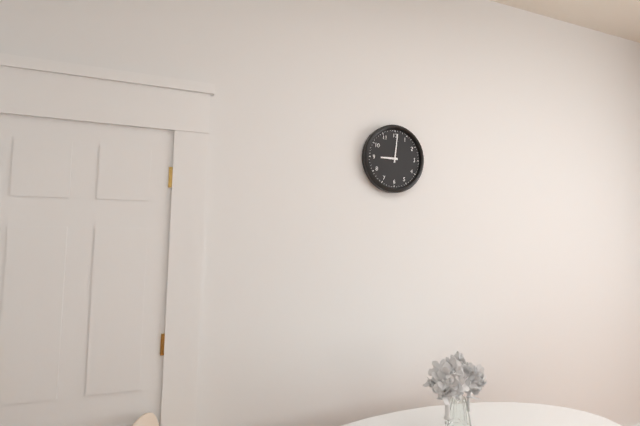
**9:01**
